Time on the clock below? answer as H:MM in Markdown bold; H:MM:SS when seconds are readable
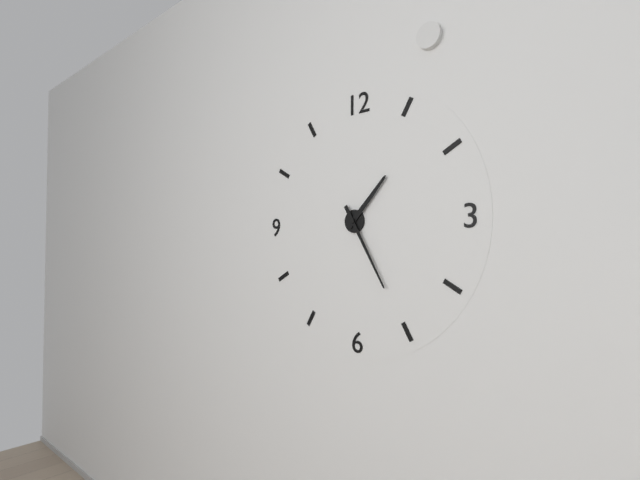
**1:25**
